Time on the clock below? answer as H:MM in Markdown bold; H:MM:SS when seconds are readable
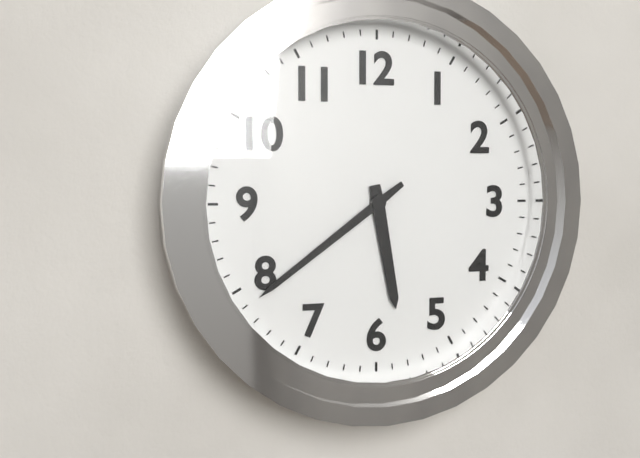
**5:39**
